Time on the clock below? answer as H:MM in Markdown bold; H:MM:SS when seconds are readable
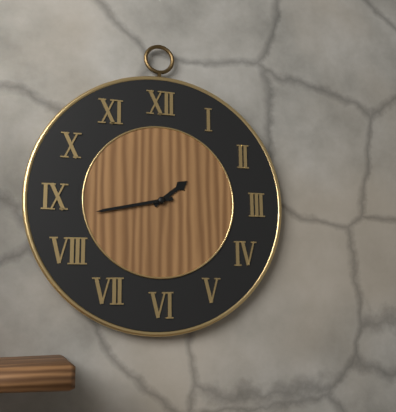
**1:43**
